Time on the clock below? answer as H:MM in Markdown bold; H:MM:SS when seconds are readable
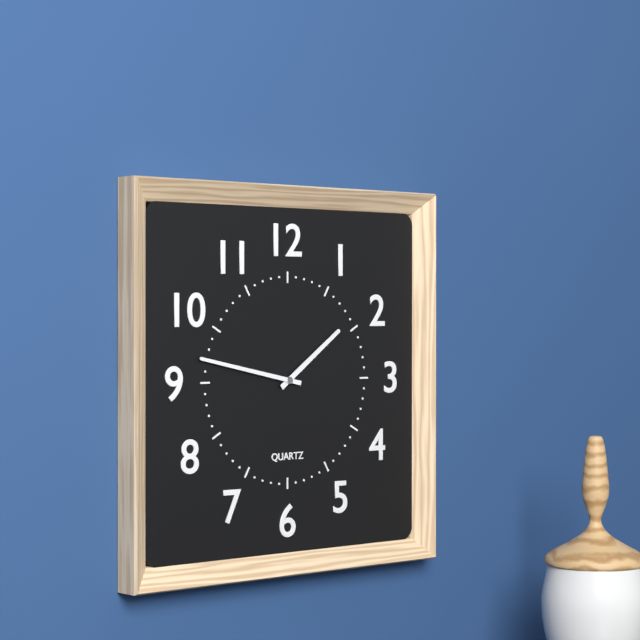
**1:47**
